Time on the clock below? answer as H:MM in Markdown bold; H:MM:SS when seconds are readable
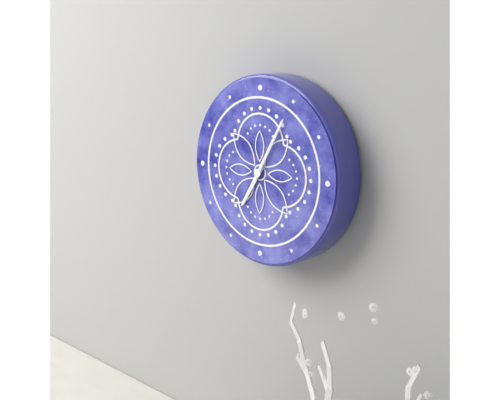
**7:05**
